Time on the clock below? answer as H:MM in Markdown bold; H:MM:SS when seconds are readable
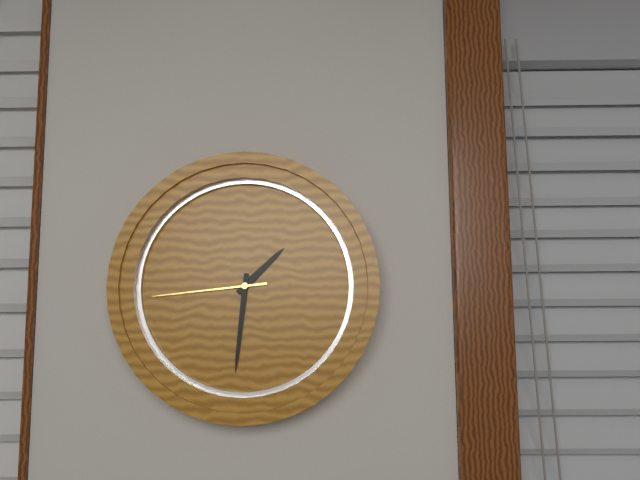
**1:31:44**
